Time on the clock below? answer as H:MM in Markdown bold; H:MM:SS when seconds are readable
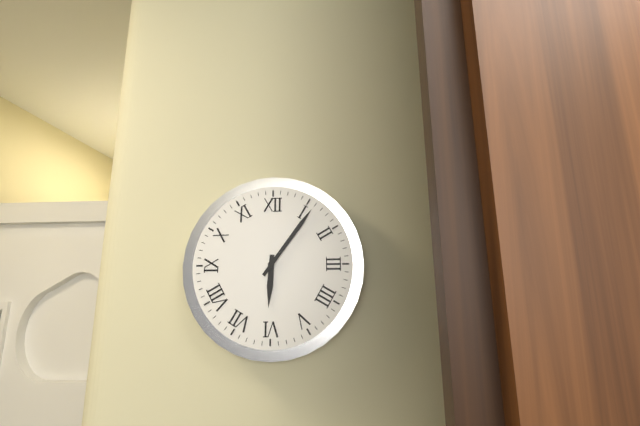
**6:06**
